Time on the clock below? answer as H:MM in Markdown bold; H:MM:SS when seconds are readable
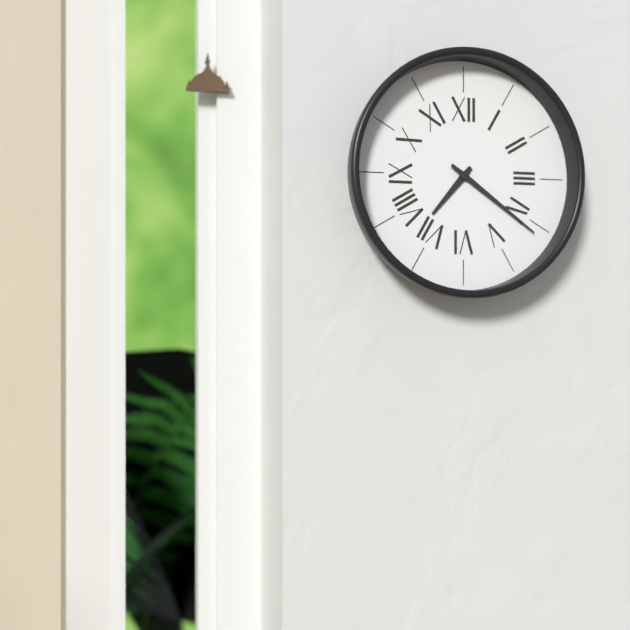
**7:21**
